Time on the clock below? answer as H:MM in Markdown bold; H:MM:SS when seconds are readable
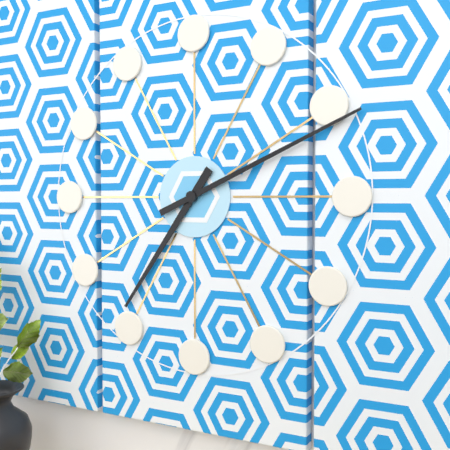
**7:11**
